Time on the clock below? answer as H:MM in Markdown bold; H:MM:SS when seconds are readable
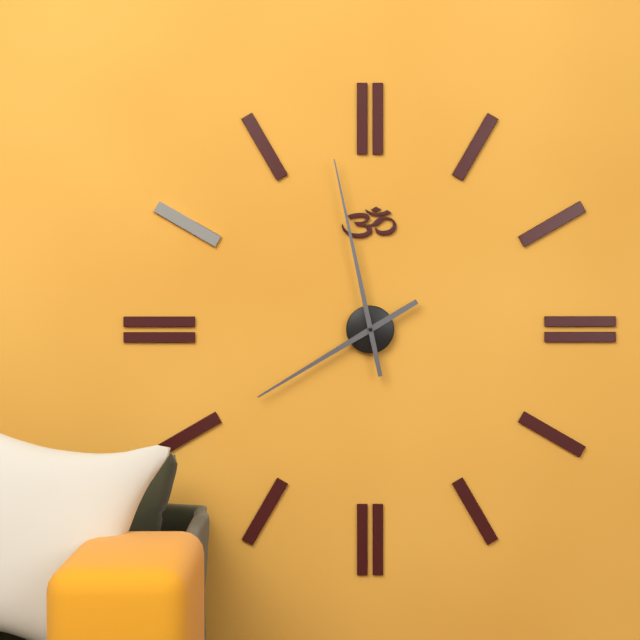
**7:58**
